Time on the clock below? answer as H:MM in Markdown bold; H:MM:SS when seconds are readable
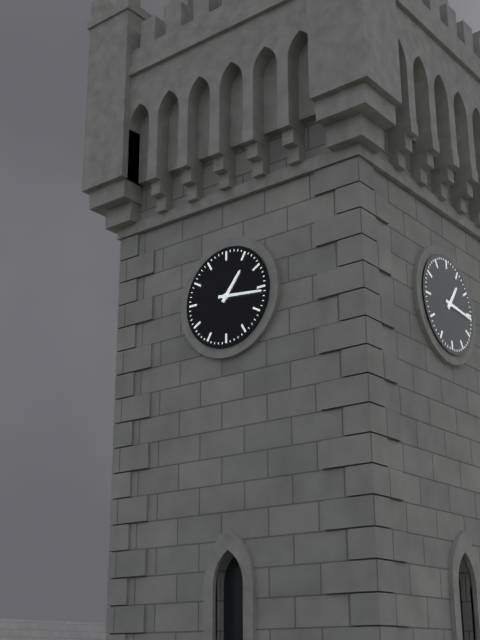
**1:16**
